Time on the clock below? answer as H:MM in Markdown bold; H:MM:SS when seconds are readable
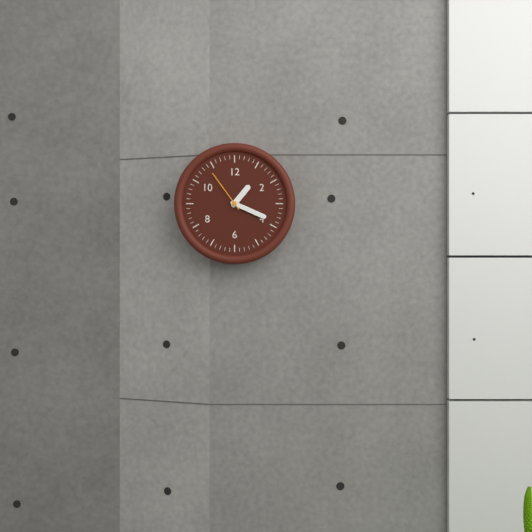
**1:19**
